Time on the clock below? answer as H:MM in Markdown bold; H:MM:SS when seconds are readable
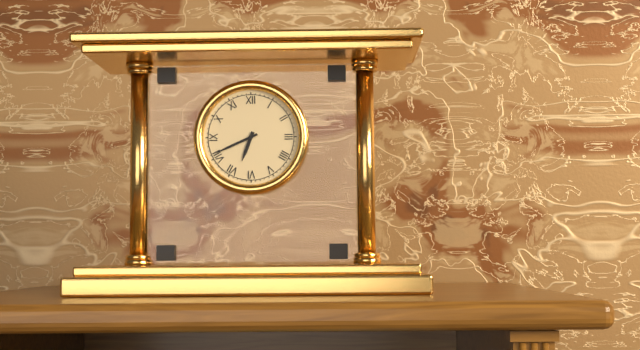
**6:41**
